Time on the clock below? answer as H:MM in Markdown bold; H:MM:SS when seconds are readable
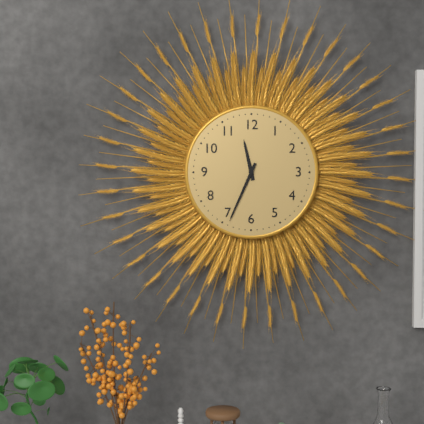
**11:34**
